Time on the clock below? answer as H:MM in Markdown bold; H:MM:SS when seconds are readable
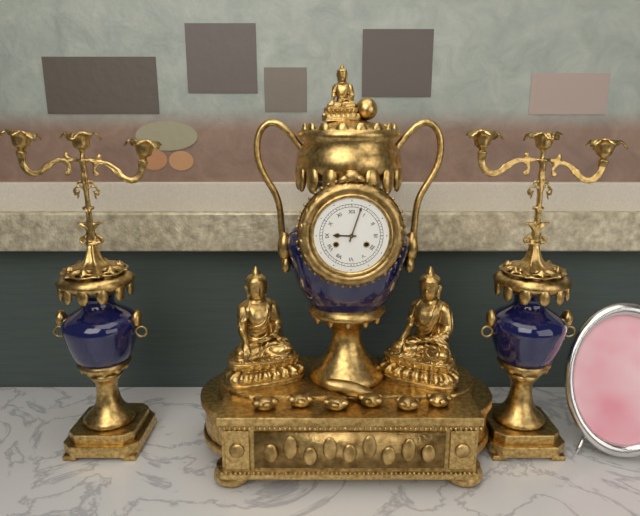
**9:03**
